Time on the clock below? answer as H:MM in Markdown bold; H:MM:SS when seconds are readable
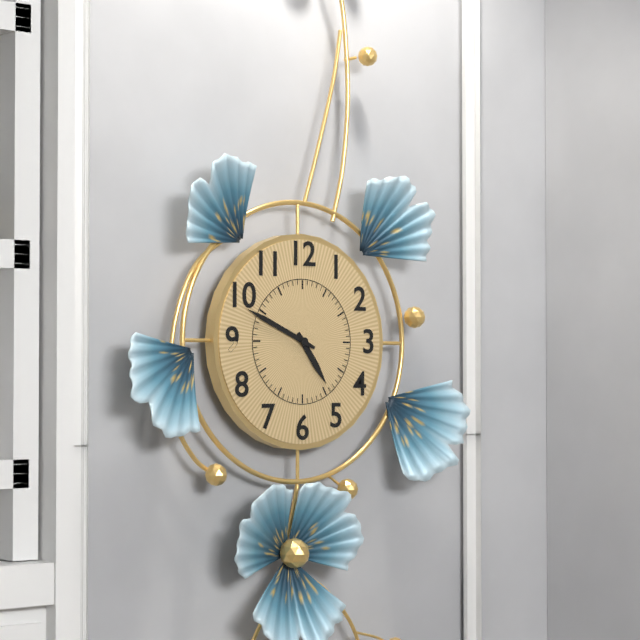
**4:49**
